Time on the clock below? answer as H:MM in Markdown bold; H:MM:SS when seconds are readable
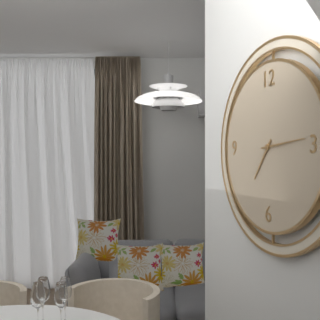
**7:14**
